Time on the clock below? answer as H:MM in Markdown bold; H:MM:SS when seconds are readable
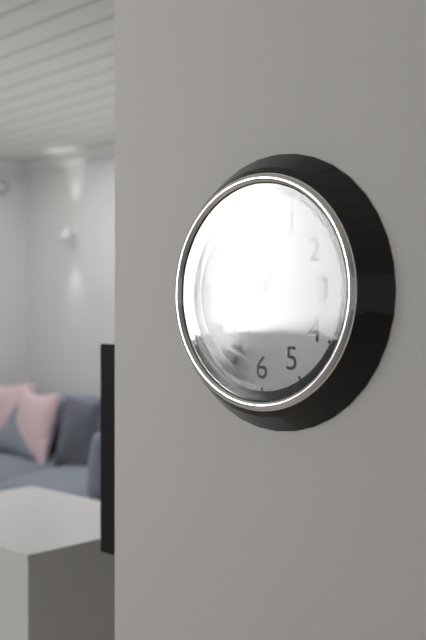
**7:35**
